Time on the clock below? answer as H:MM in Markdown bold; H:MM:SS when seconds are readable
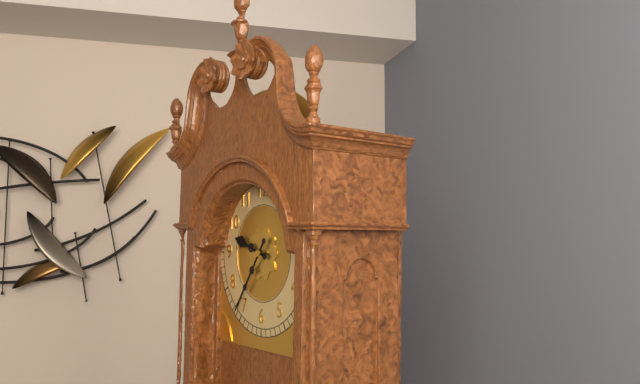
**9:36**
